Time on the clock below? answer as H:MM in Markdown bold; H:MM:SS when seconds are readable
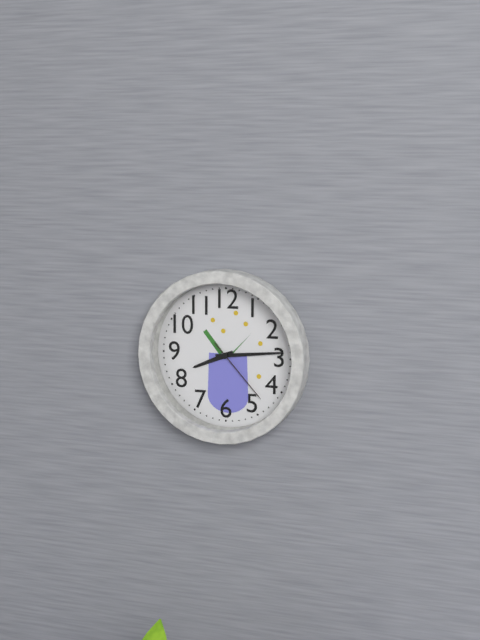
**8:14:23**
